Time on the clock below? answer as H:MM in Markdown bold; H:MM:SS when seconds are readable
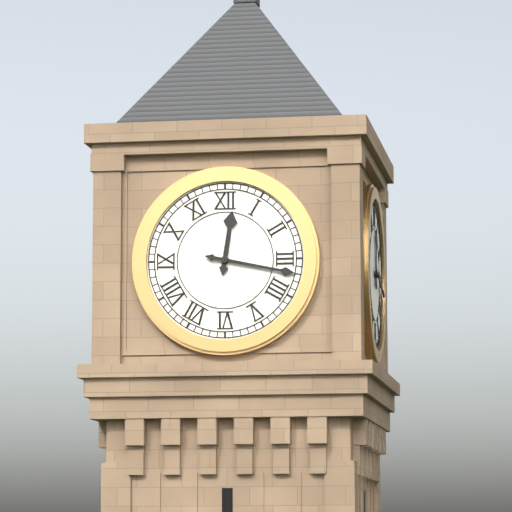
**12:17**
